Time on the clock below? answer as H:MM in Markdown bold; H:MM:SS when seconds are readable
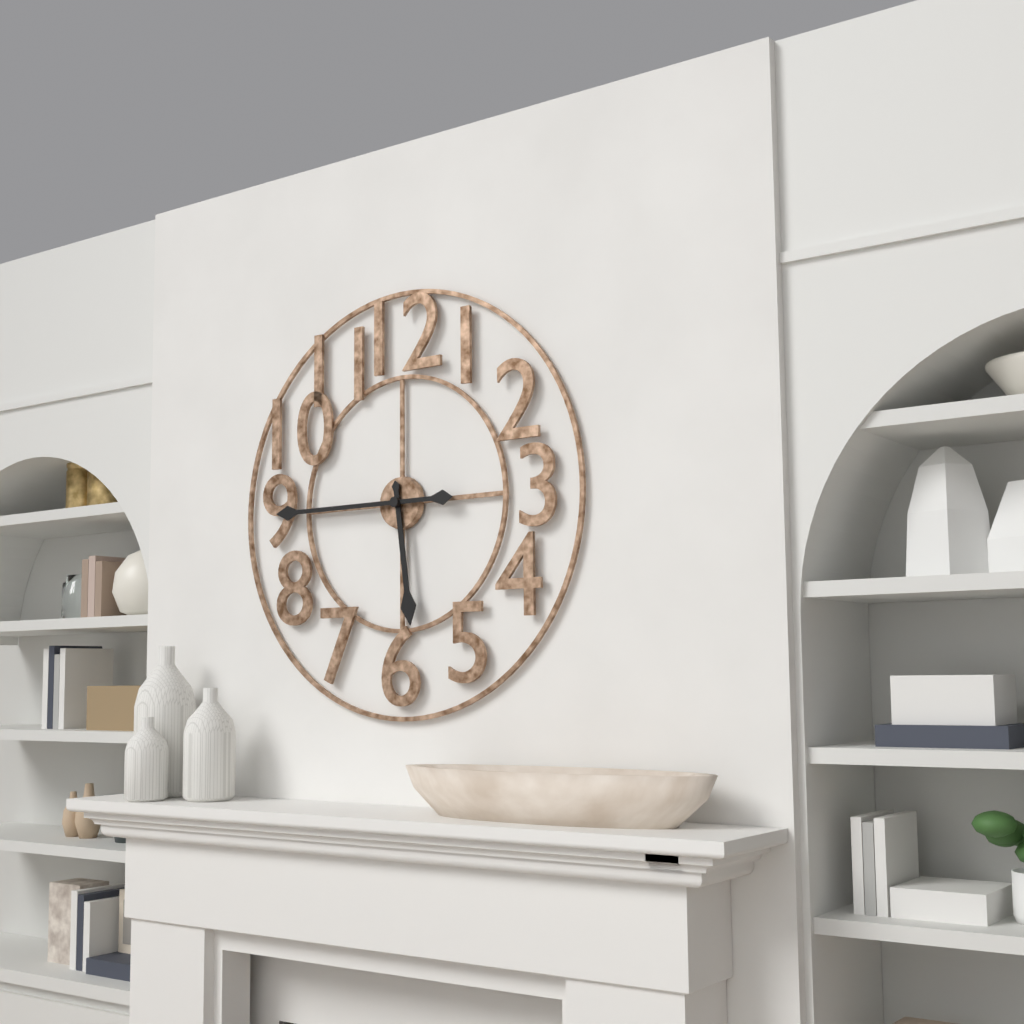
**5:45**
